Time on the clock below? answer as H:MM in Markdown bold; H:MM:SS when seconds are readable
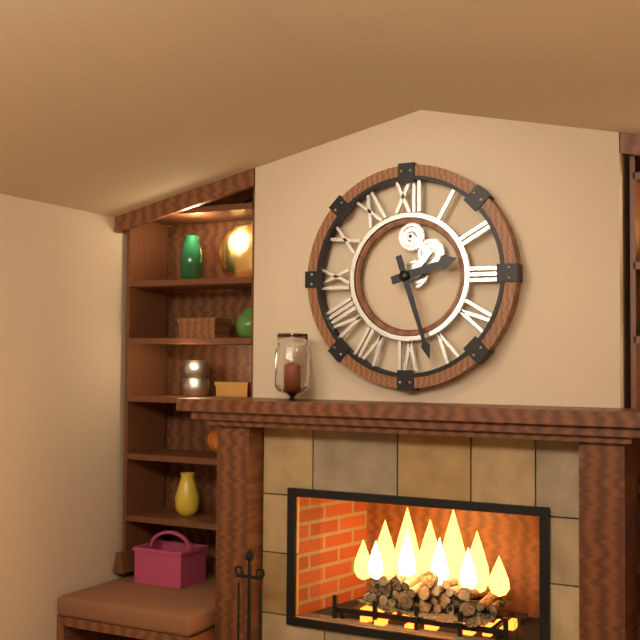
**2:27**
